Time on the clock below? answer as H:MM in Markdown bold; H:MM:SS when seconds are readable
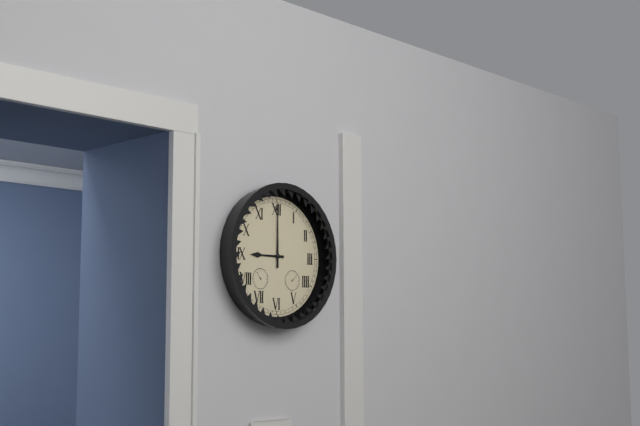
**9:00**
